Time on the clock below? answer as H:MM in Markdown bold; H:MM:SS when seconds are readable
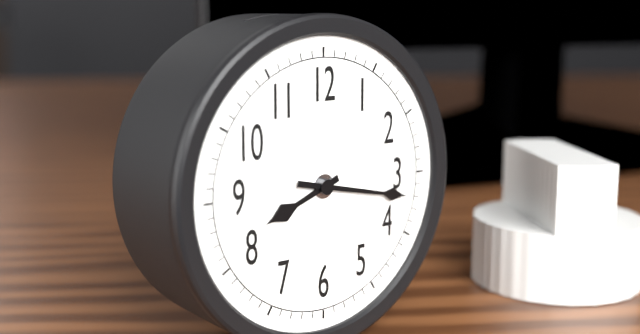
**8:17**
